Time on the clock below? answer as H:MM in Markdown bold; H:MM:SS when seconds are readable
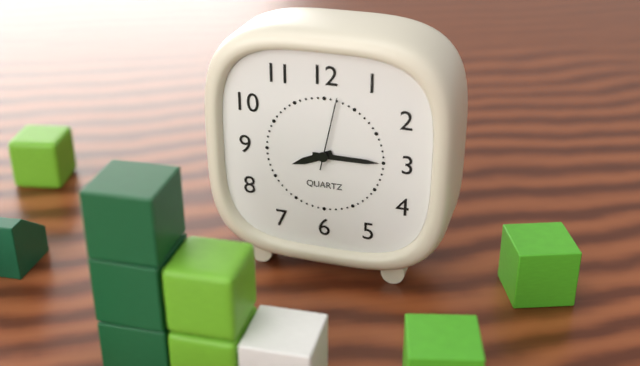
**8:15:02**
